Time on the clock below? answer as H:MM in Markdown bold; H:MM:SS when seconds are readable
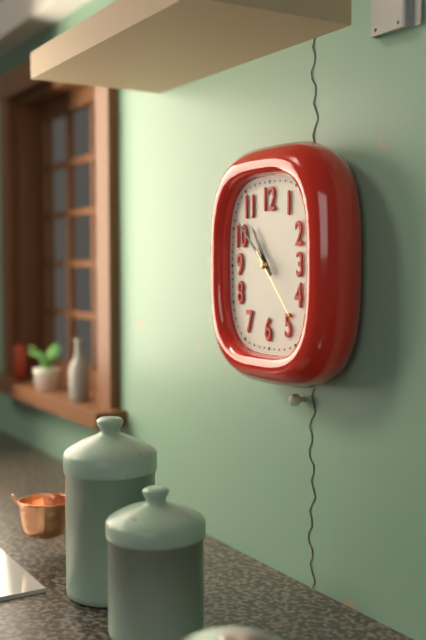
**10:52:23**
